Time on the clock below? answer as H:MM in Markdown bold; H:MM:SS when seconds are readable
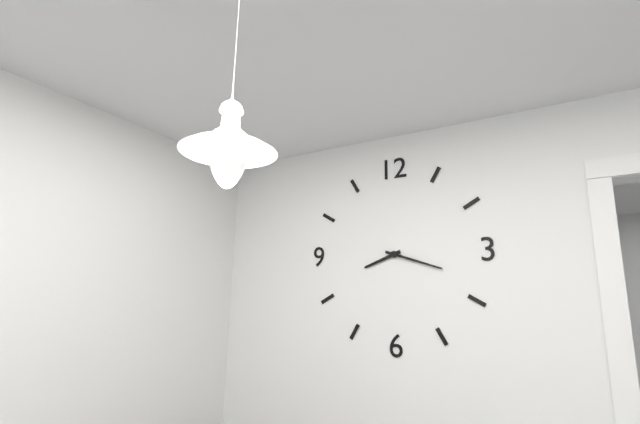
**8:18**
